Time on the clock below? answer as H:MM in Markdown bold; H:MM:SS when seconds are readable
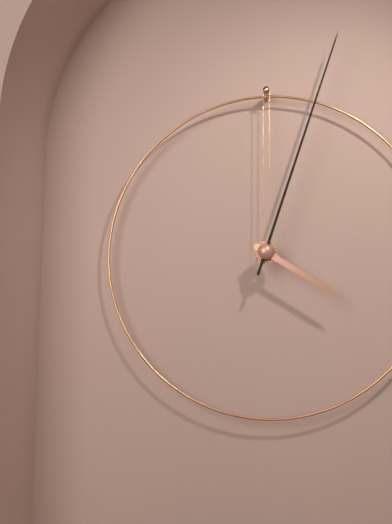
**4:03**
